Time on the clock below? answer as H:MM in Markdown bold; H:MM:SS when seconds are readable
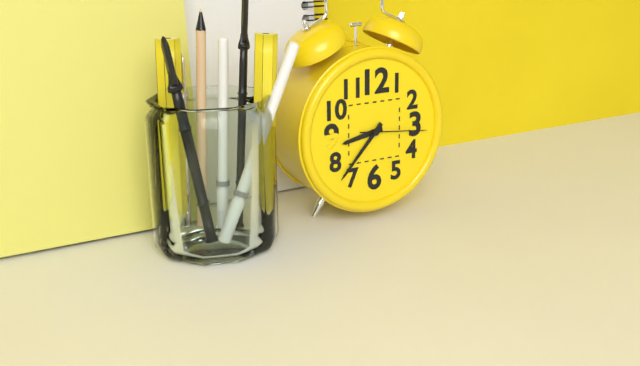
**8:37:16**
